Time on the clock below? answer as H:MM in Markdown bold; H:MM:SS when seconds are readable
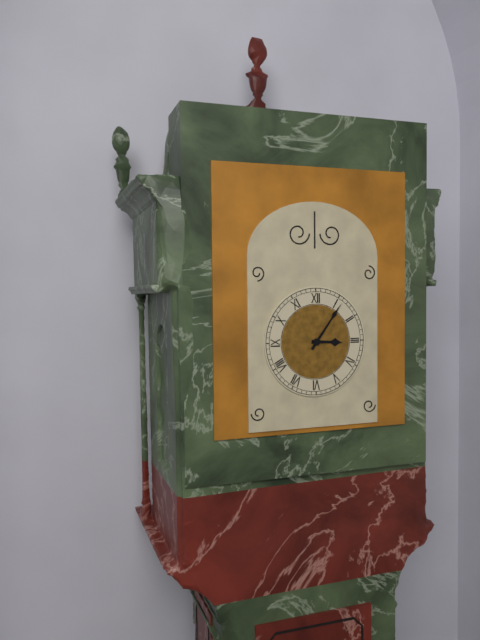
**3:06**
